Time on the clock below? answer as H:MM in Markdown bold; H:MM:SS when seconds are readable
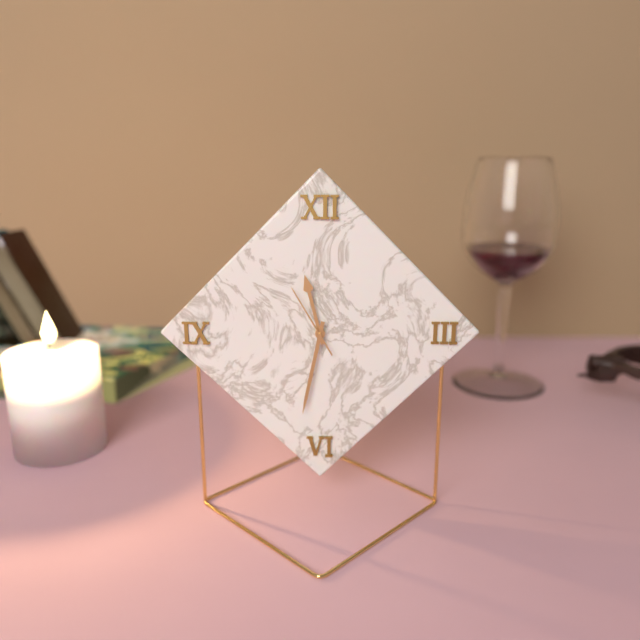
**11:32:55**
